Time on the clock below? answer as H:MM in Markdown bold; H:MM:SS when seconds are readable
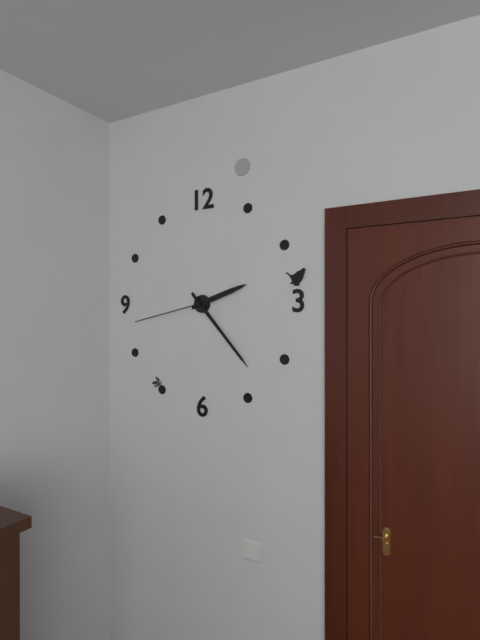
**2:23:43**
